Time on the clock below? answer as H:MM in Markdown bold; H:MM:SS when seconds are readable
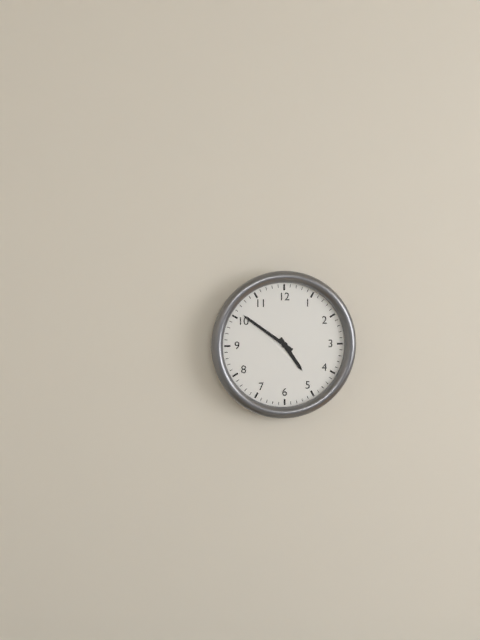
**4:51**
